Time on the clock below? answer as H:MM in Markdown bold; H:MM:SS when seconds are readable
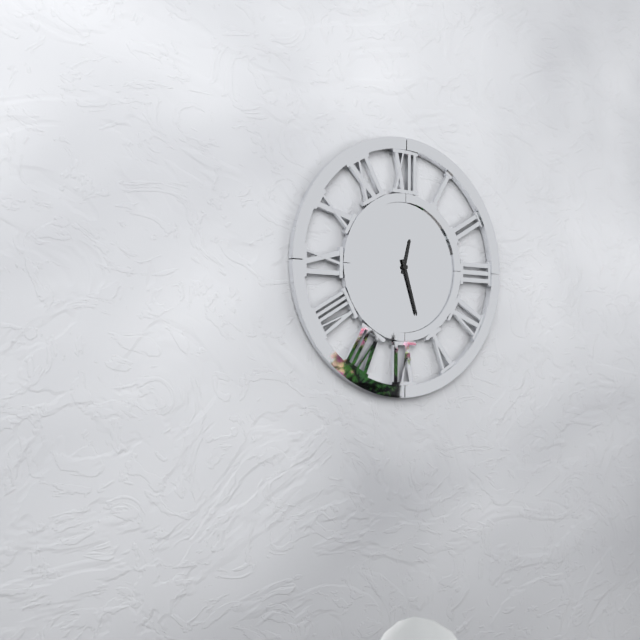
**12:27**
